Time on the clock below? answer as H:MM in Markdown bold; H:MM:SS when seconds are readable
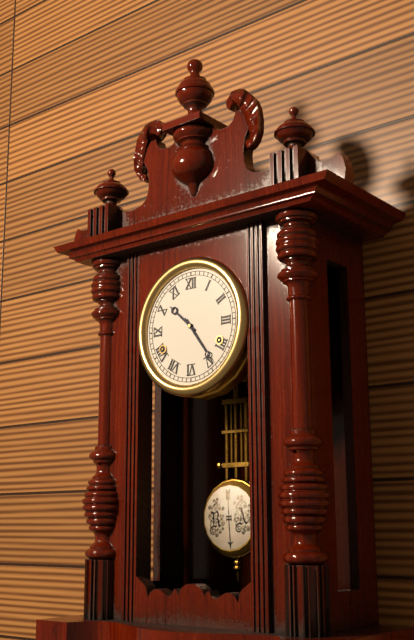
**10:24**
